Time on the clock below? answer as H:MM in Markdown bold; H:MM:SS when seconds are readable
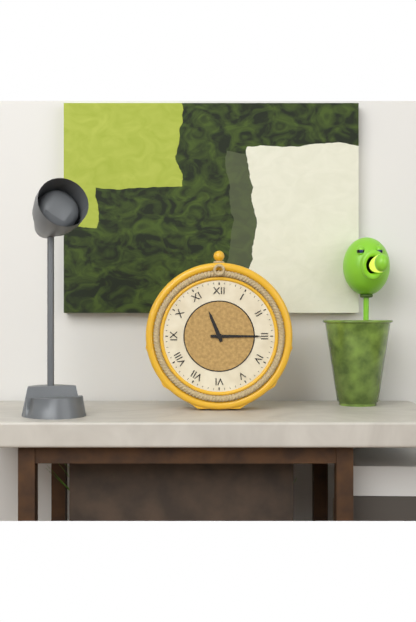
**11:15**
